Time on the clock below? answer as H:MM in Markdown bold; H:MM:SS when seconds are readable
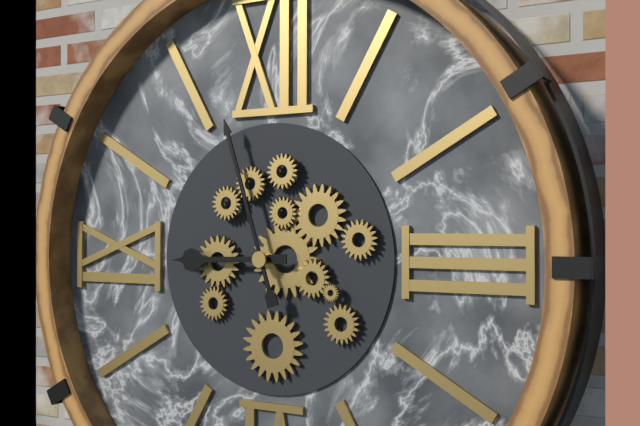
**8:57**
